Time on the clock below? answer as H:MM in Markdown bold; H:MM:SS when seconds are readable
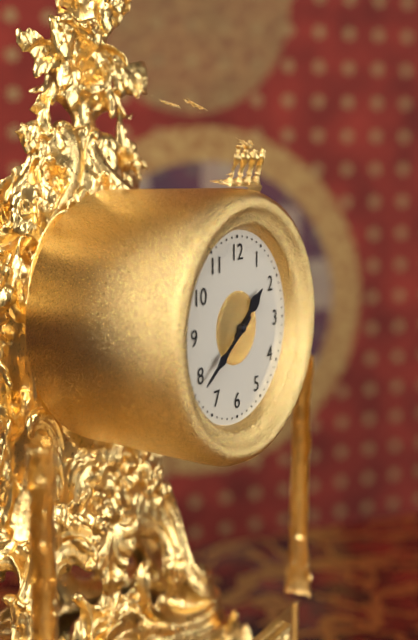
**1:39**
